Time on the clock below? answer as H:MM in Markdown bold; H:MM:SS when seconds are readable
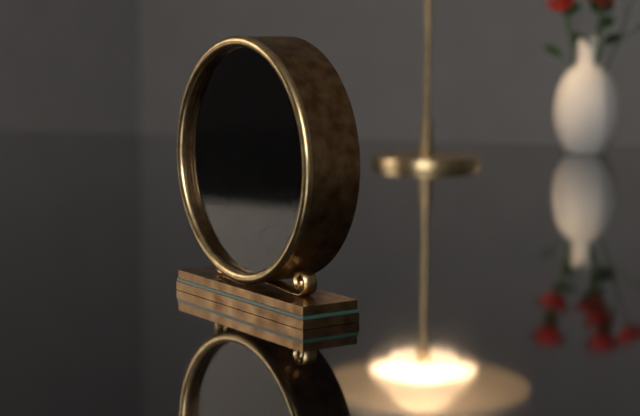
**11:49**
